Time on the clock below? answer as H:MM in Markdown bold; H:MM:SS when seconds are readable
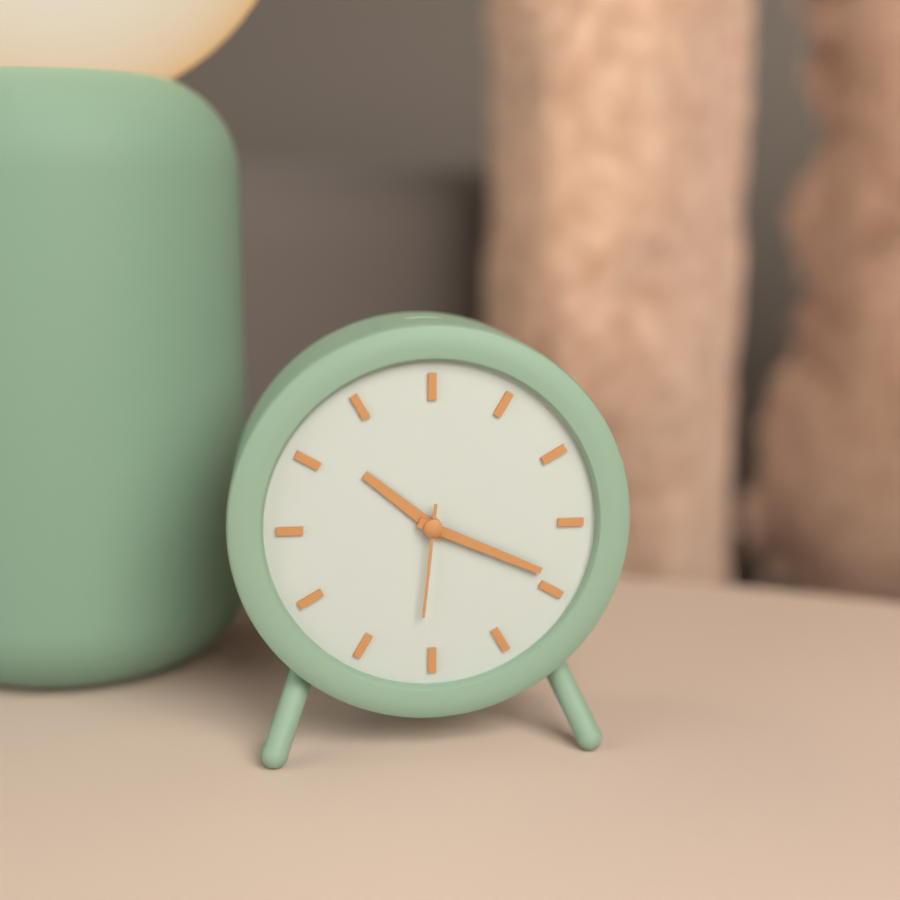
**10:19:31**
